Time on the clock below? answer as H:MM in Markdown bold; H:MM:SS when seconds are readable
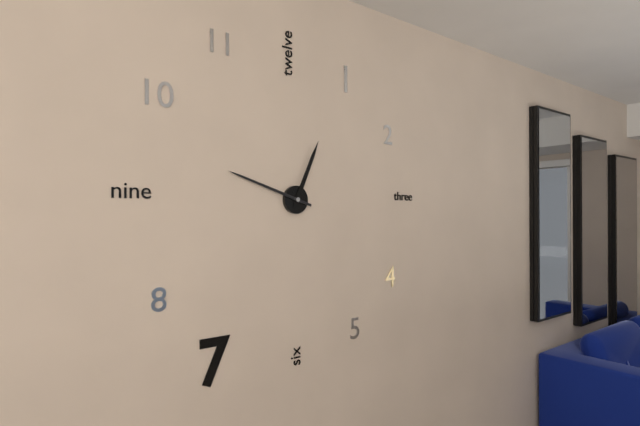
**12:48**
